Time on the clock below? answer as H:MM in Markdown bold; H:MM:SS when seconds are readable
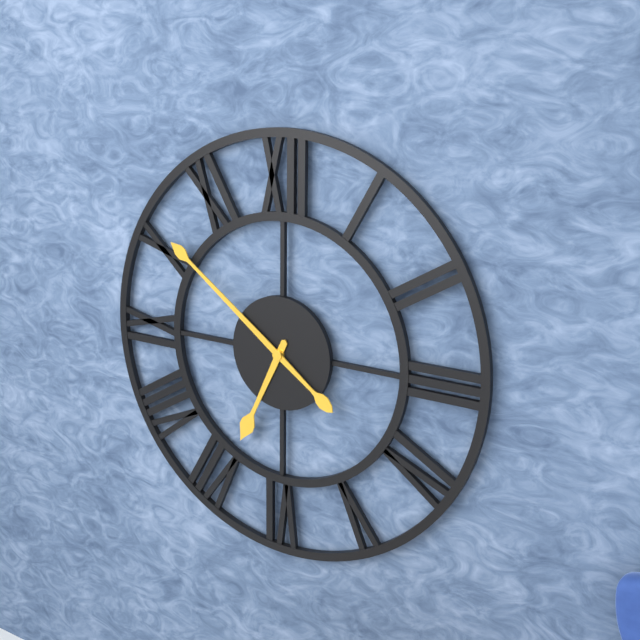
**6:51**
